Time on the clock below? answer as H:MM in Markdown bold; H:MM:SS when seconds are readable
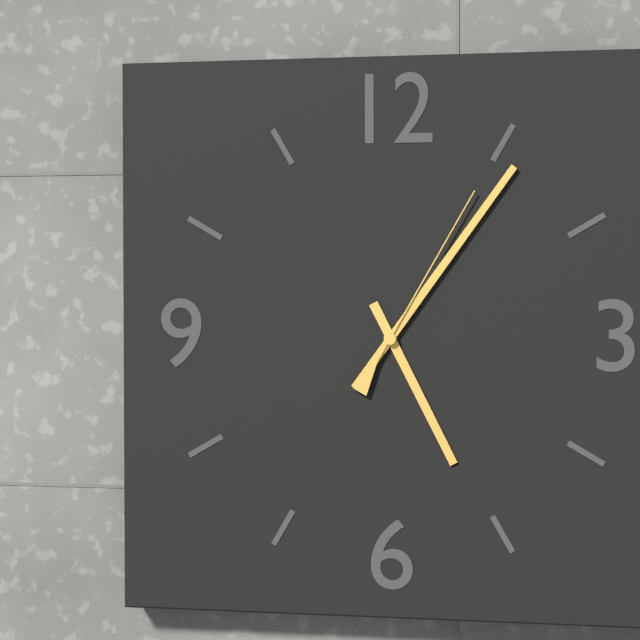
**5:06:05**
